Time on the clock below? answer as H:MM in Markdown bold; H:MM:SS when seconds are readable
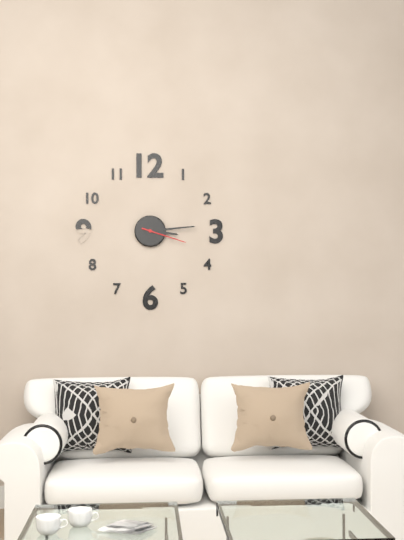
**3:14**
